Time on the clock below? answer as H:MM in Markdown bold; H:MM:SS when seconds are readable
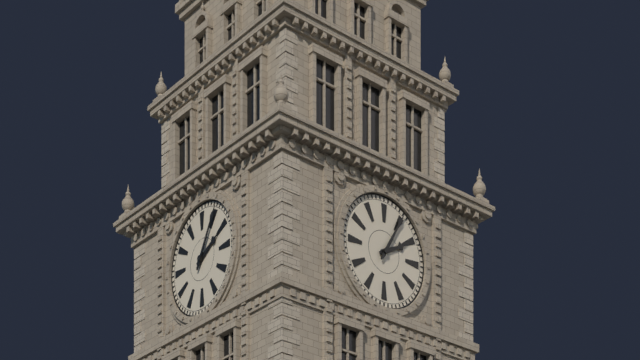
**2:05**
